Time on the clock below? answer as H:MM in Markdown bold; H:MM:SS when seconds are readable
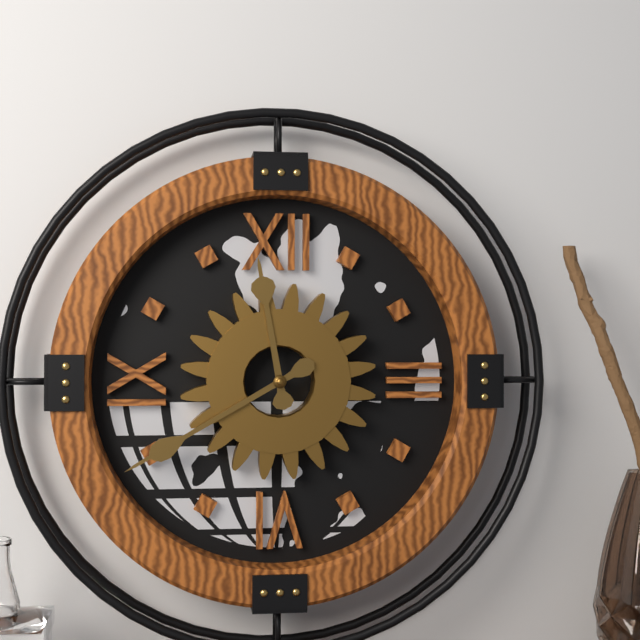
**11:40**
